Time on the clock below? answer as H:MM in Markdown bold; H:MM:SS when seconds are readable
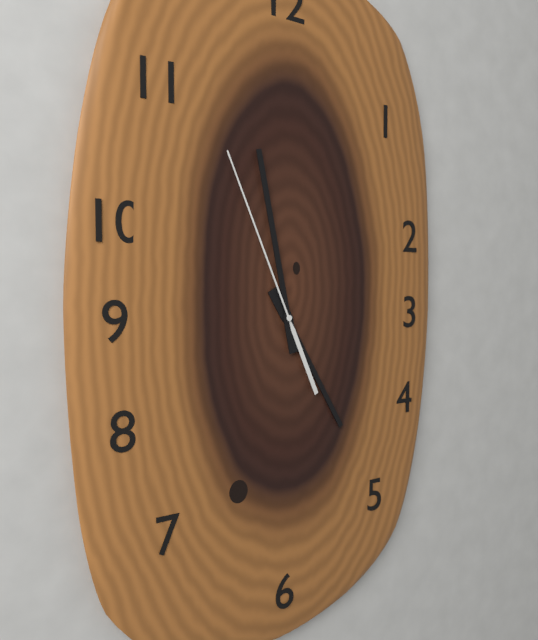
**4:58:56**
